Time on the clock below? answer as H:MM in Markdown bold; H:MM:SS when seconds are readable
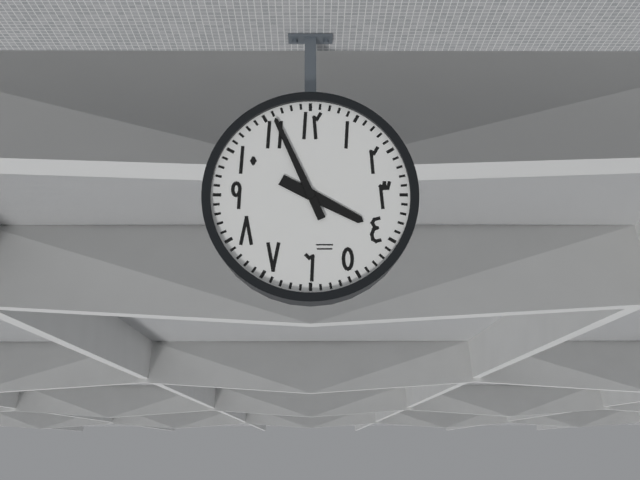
**3:56**
